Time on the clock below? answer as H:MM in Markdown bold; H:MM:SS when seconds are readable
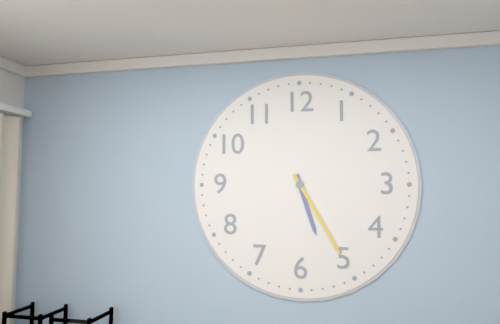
**5:25**
